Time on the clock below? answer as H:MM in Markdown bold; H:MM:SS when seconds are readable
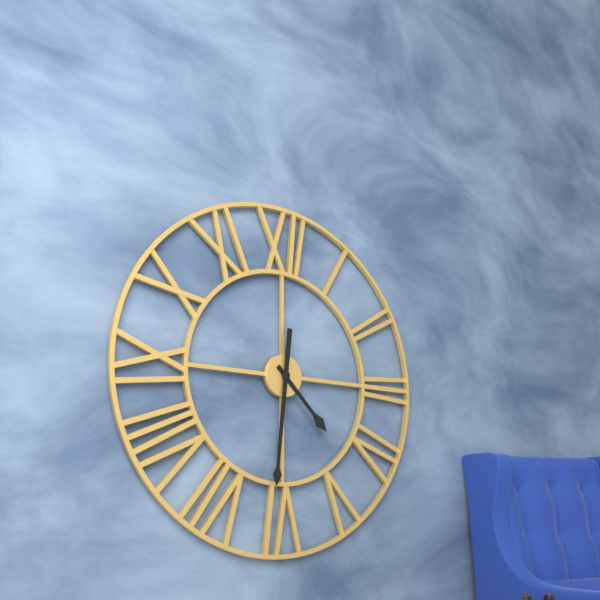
**4:31**
